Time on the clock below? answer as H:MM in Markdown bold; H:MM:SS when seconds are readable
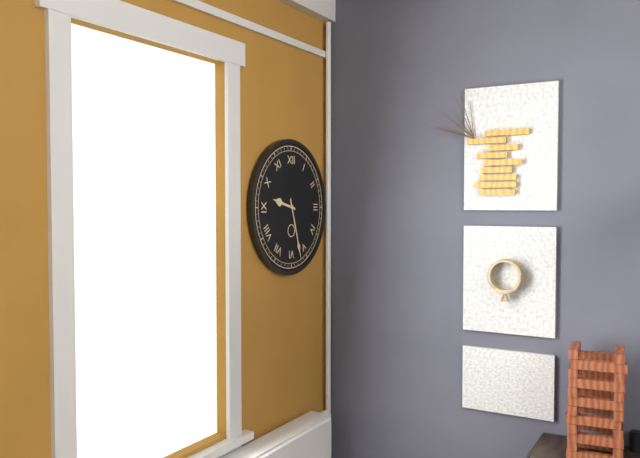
**9:27**
